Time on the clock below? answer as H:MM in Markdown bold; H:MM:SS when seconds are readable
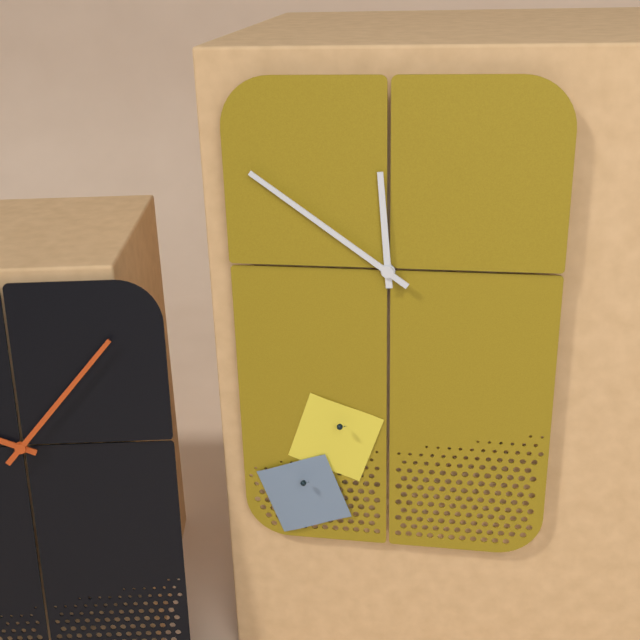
**11:51**
